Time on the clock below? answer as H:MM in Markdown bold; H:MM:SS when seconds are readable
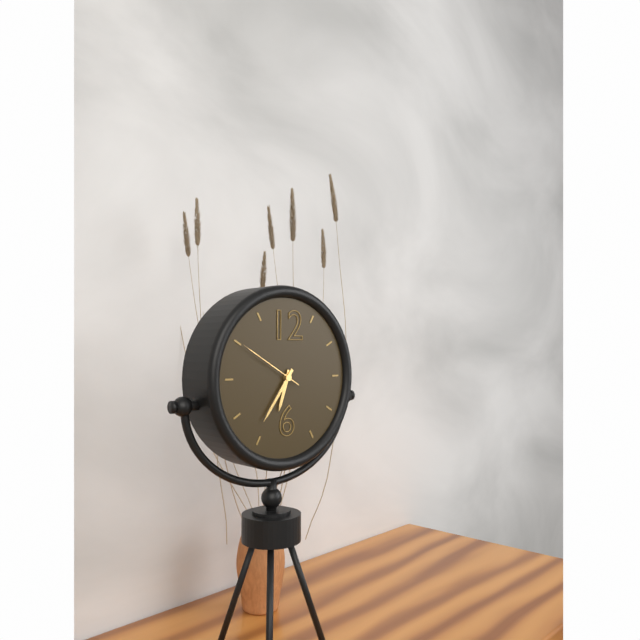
**6:36:50**
